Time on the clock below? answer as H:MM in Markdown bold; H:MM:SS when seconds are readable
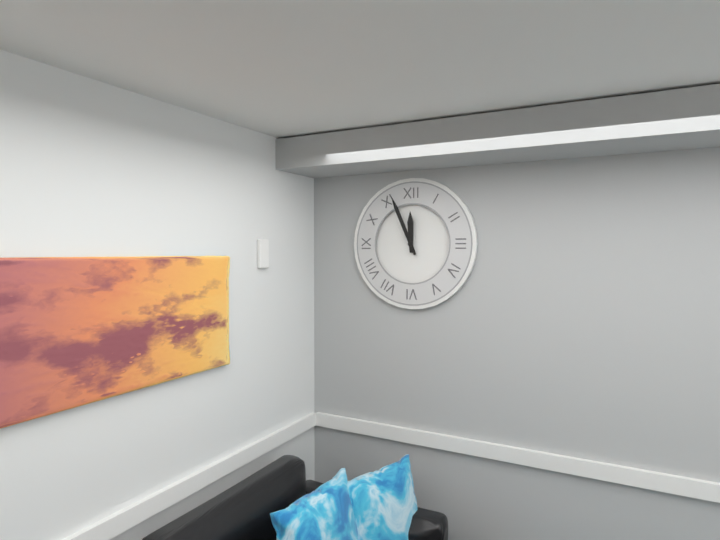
**11:56**
